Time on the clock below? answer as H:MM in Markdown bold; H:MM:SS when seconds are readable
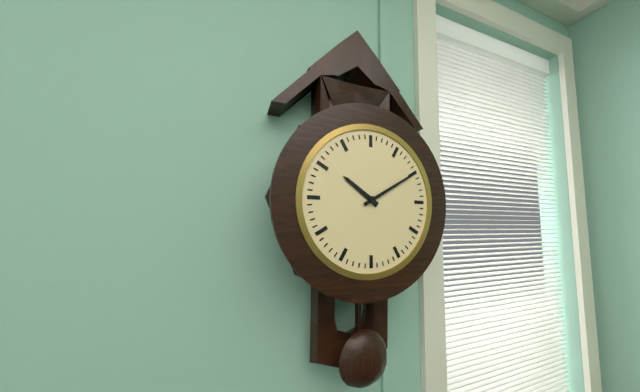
**10:10**
